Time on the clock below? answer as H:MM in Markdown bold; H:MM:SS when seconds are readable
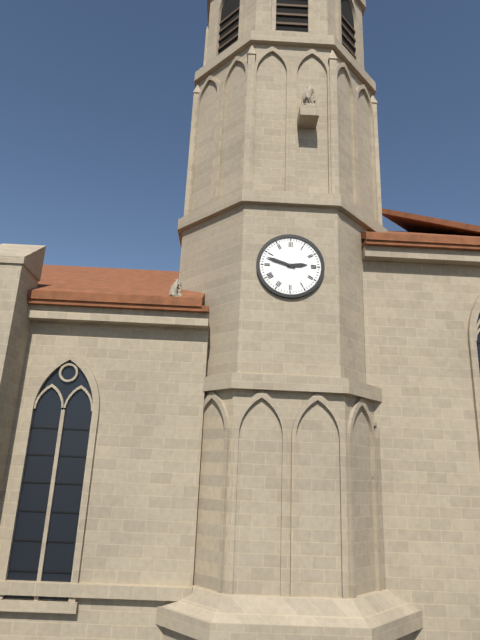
**2:48**
